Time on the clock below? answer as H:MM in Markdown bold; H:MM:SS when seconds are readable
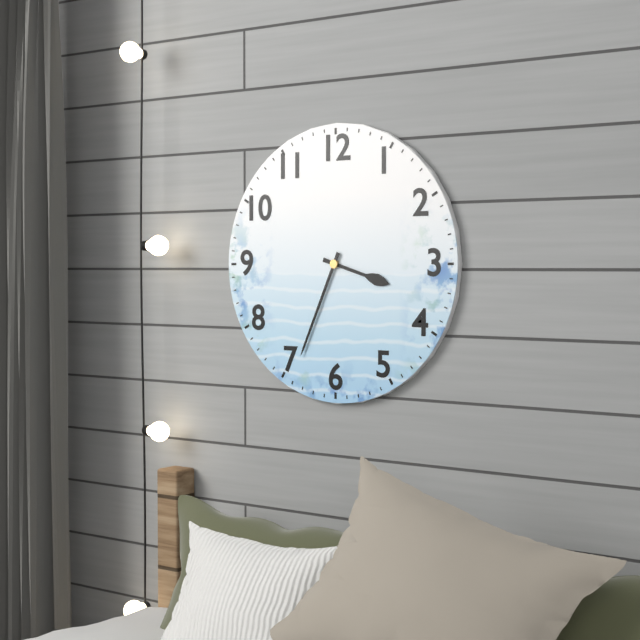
**3:34**
